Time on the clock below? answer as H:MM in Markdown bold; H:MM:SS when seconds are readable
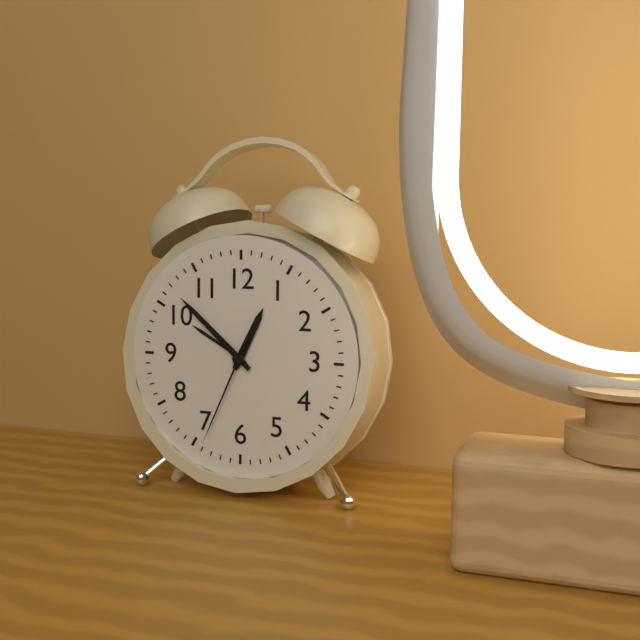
**12:52:34**
